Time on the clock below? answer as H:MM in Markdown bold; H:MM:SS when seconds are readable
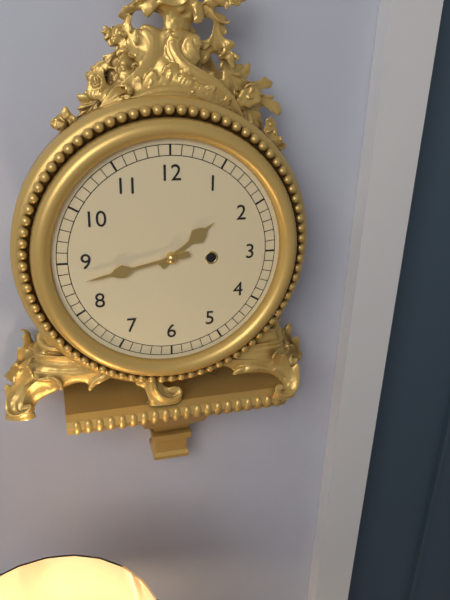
**1:43**
